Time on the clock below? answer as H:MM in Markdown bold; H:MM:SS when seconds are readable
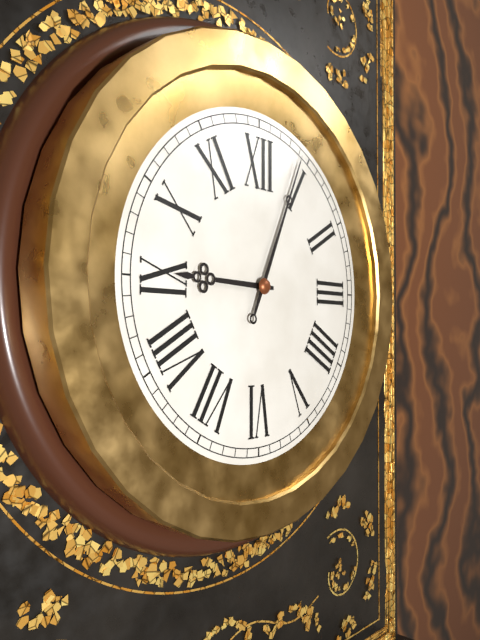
**9:04**
